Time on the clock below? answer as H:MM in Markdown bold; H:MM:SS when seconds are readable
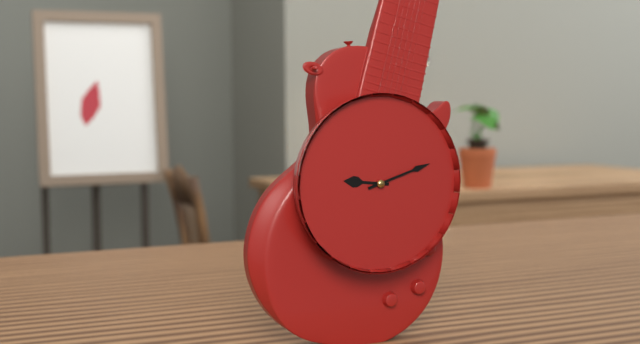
**9:12**
